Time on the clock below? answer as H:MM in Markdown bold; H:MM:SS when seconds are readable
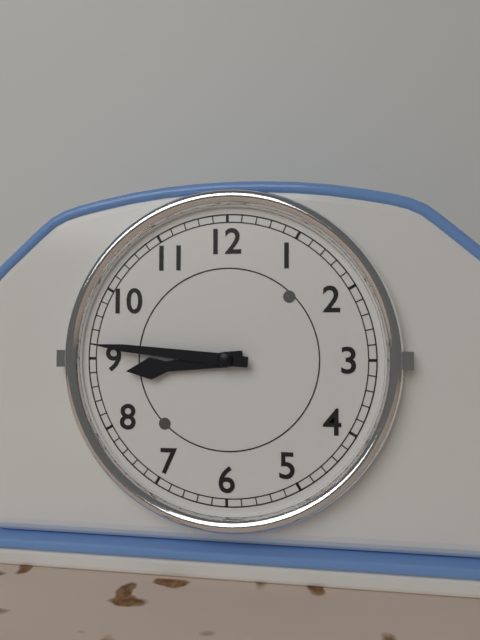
**8:46**
